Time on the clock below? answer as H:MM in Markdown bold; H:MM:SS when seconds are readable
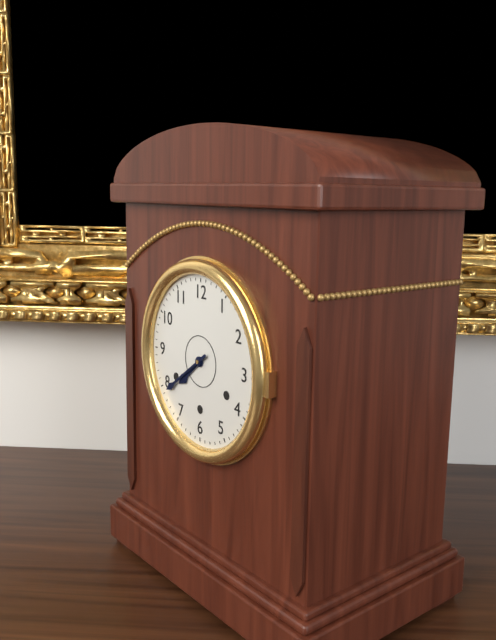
**7:39**
